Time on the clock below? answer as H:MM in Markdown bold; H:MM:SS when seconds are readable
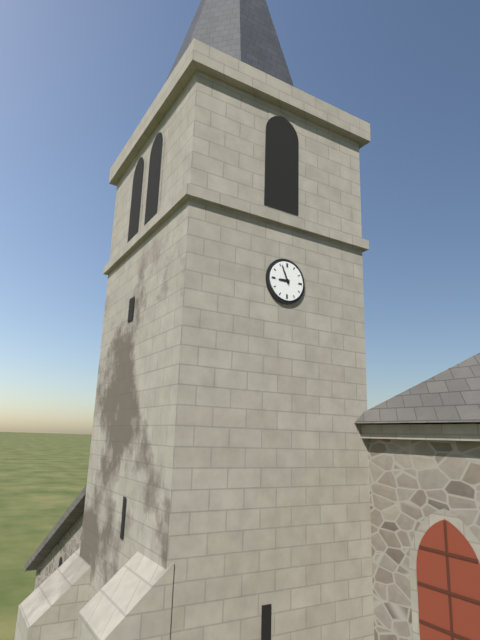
**8:56**
